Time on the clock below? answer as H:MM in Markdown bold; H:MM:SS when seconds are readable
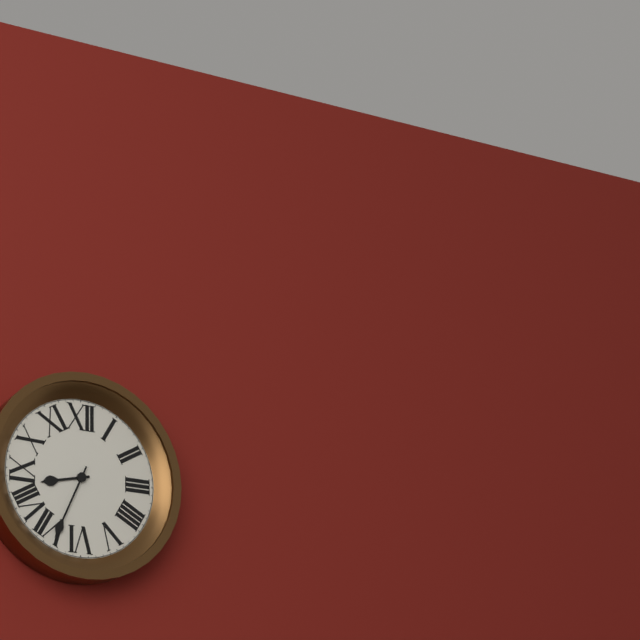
**8:34**
